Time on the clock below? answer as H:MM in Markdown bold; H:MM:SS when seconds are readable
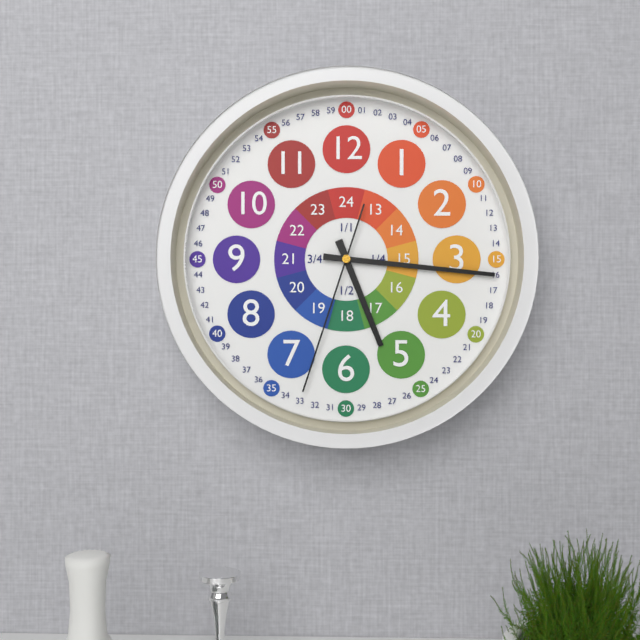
**5:16:33**
